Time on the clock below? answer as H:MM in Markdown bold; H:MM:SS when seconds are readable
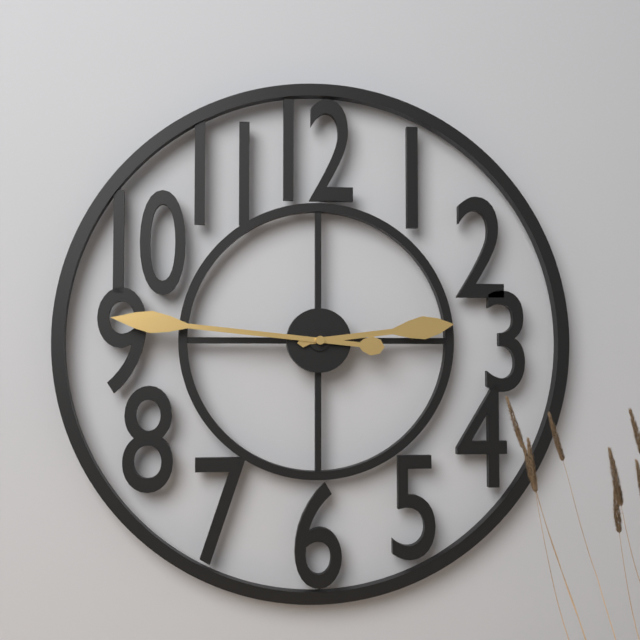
**2:46**
